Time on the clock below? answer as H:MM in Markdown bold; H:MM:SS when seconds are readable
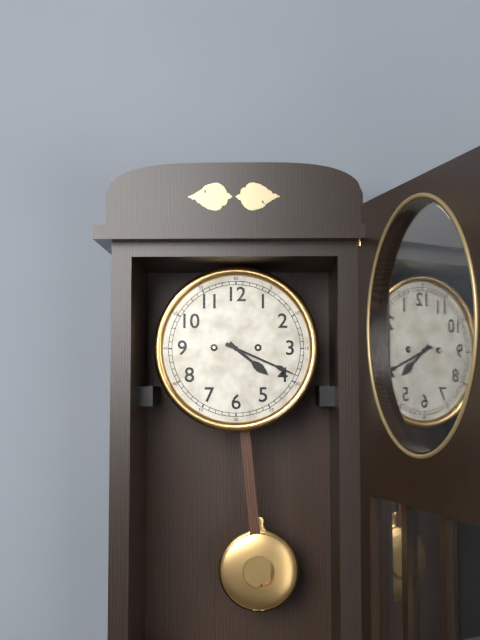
**4:19**
